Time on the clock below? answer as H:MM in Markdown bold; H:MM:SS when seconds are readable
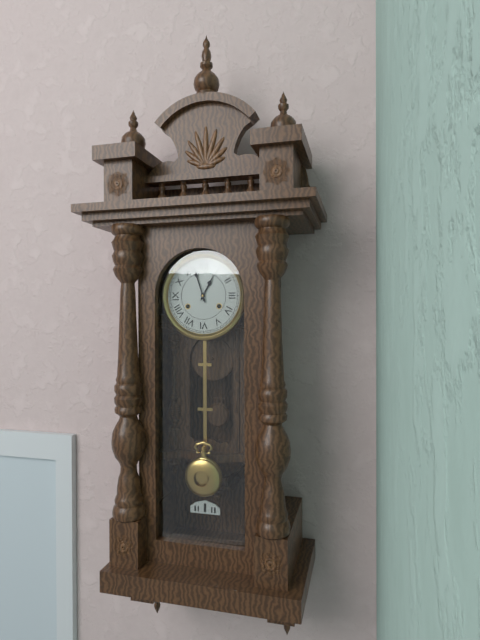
**12:57**
